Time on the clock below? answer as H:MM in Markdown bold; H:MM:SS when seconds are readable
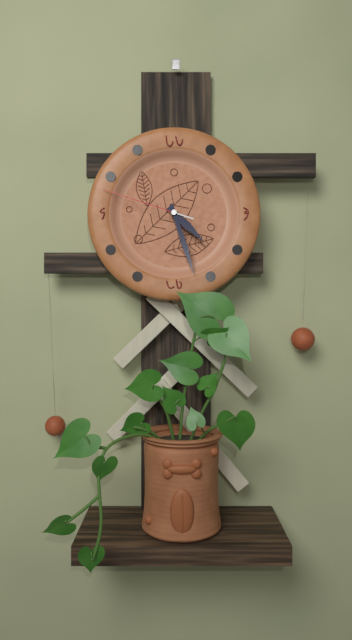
**4:27:48**
